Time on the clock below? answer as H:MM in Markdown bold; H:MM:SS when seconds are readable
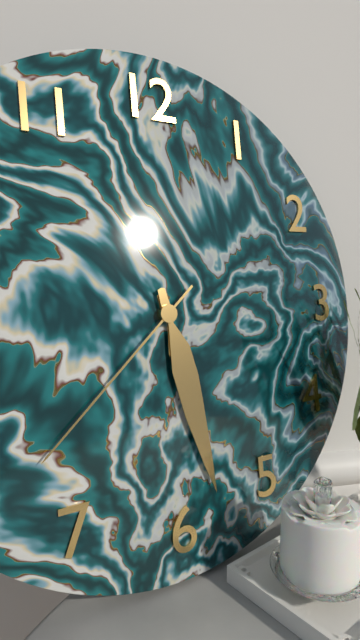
**5:28:38**
